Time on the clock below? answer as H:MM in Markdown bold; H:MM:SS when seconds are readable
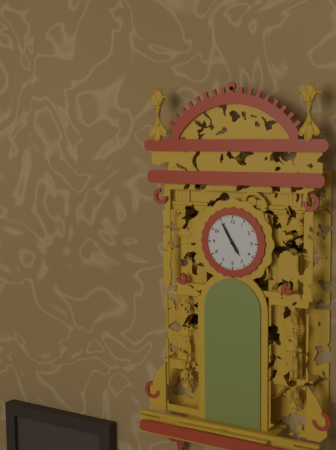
**4:55**
